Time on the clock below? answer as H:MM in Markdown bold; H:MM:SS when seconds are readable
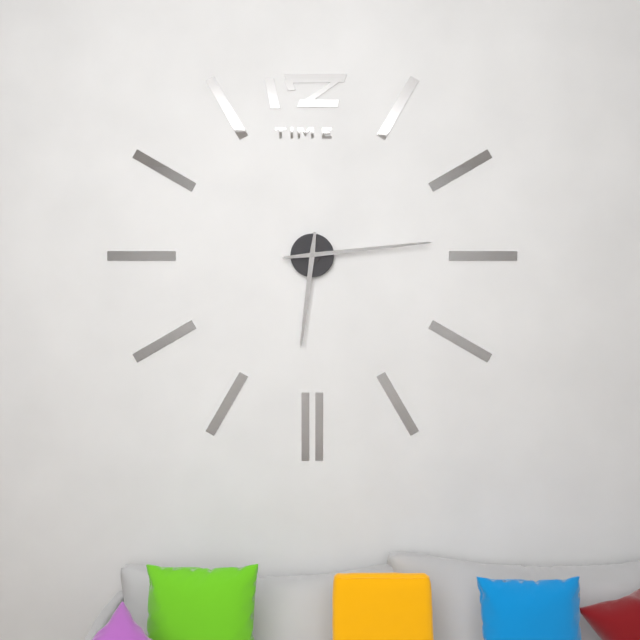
**6:14**
